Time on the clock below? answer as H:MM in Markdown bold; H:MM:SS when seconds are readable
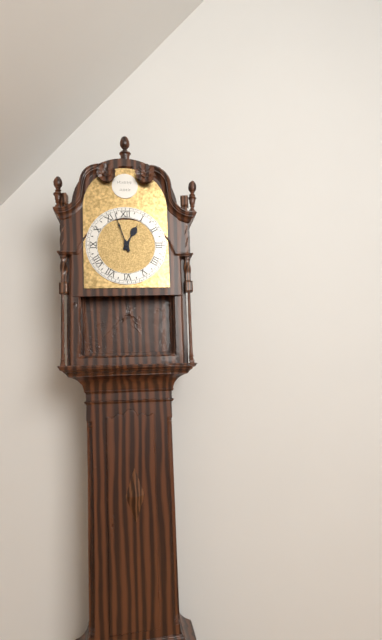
**12:57**
